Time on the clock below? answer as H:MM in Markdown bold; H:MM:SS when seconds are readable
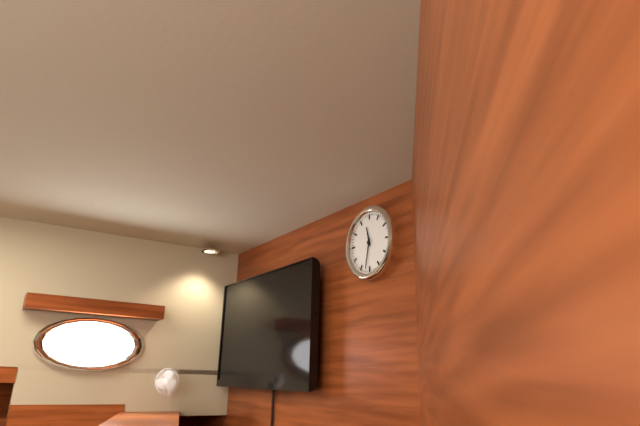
**11:32**
